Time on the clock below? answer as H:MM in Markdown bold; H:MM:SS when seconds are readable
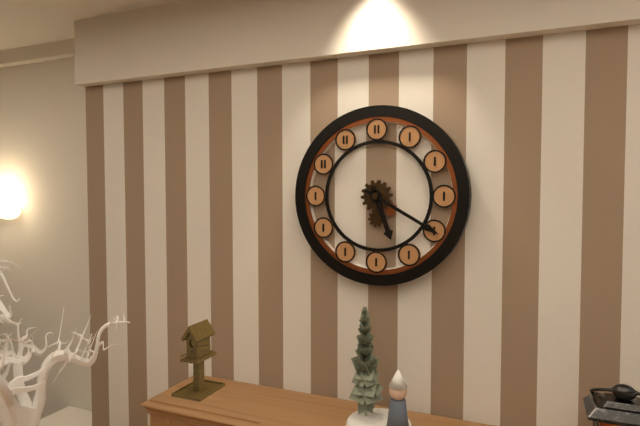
**5:20**
